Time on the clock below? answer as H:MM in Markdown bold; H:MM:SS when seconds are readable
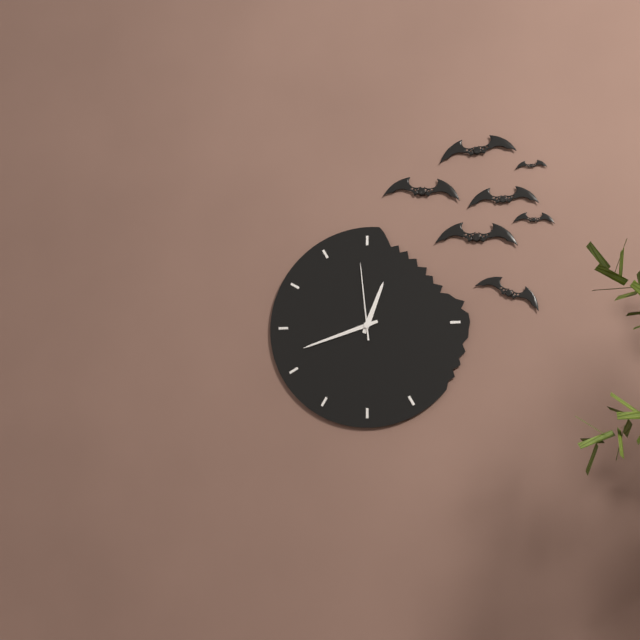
**12:42:59**
